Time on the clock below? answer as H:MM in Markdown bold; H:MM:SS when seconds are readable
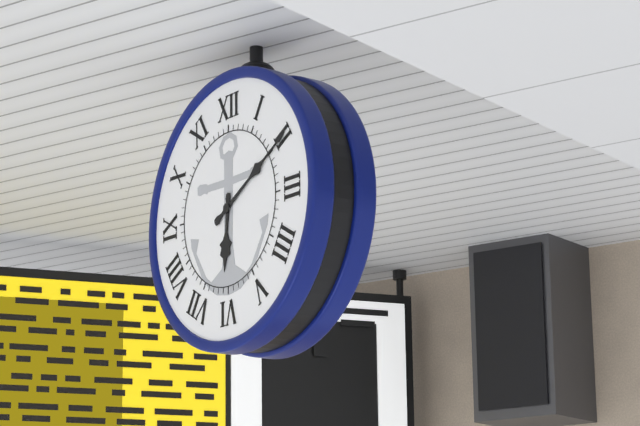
**6:10**
